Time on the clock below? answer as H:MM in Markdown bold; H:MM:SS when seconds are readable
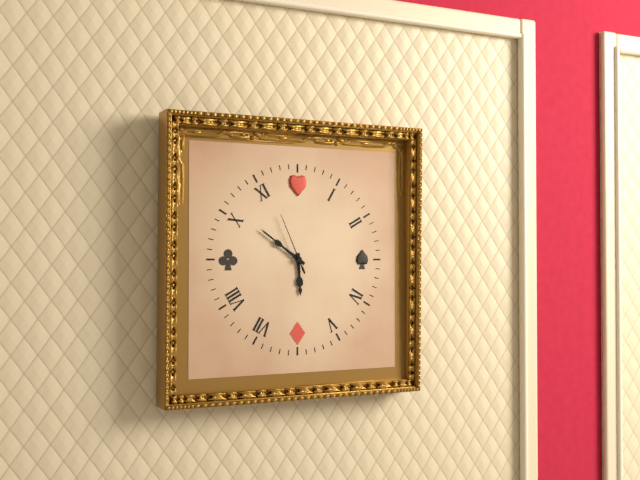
**5:51:56**
